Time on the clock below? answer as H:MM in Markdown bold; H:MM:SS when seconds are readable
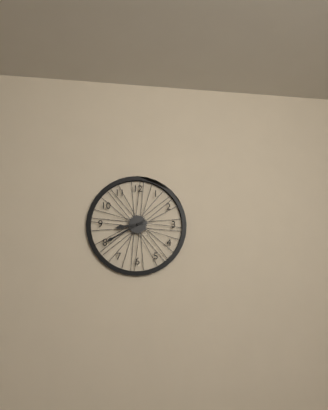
**8:40**
